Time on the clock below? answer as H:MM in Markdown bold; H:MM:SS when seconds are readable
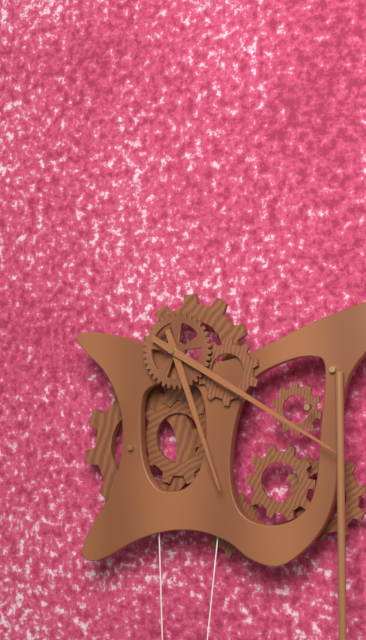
**5:20**
